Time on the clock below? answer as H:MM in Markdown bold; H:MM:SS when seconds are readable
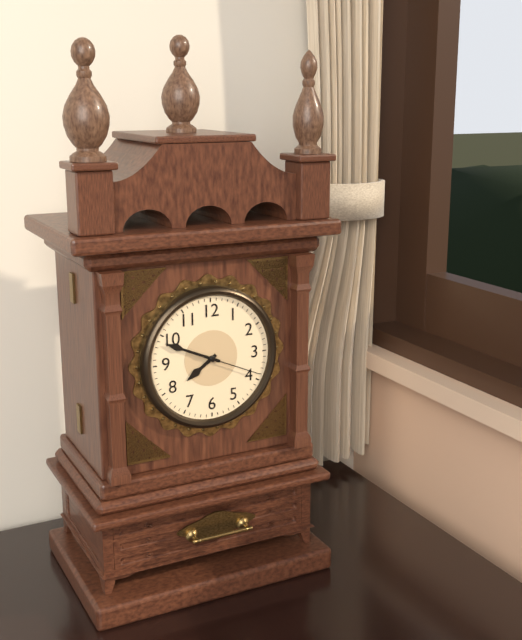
**7:49:19**
